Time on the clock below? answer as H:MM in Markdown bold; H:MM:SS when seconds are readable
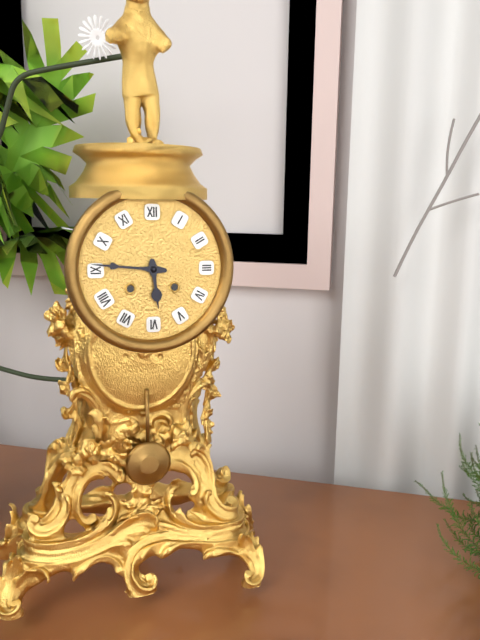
**5:46**
